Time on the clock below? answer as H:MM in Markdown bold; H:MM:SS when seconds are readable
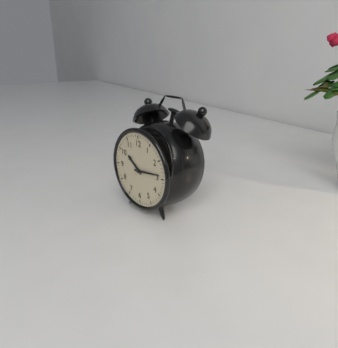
**10:14**
